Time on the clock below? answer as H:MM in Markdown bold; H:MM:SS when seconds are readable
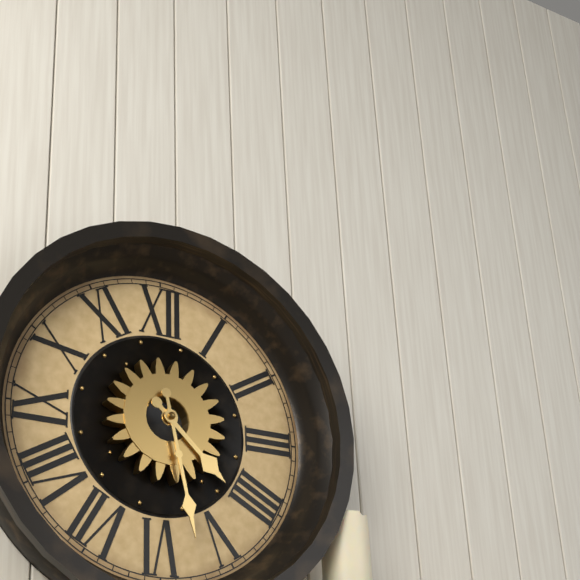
**4:28**
